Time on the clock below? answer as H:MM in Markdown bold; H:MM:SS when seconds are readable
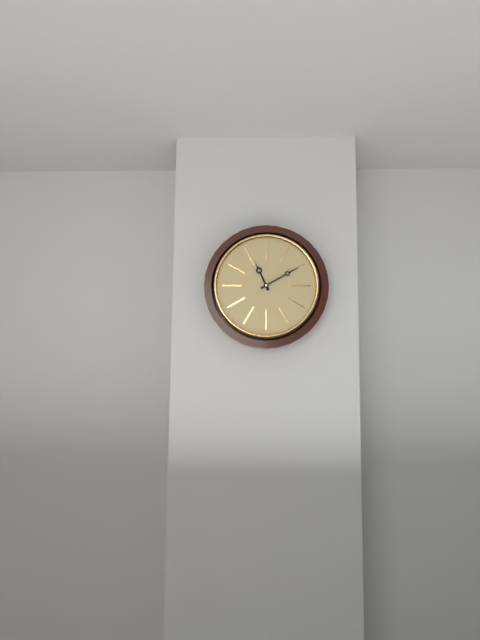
**11:10**
